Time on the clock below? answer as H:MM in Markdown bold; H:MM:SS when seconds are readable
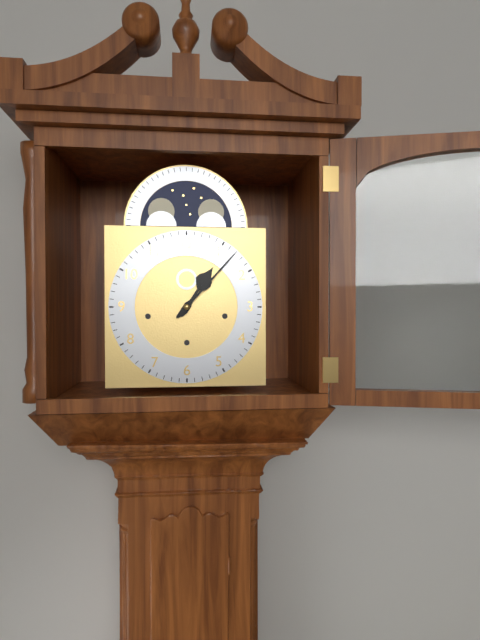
**1:07**
